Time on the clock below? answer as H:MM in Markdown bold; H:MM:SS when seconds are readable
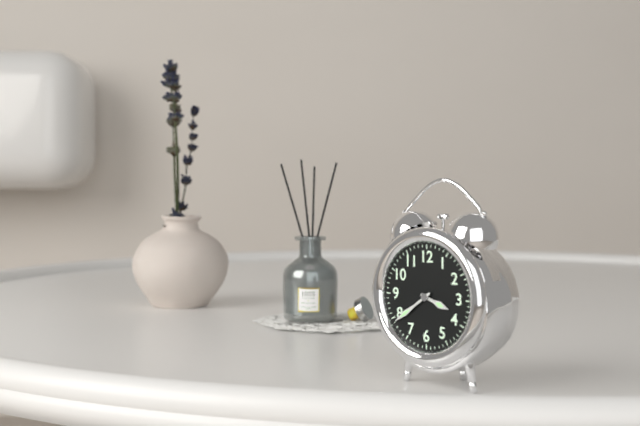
**3:39**
